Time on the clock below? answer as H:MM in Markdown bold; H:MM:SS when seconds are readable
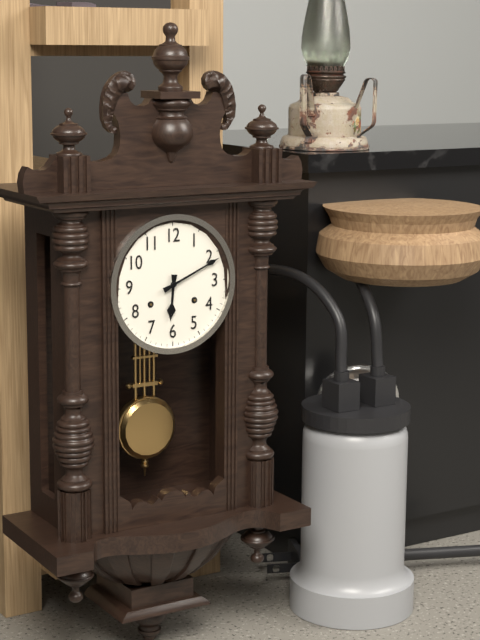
**6:11**
